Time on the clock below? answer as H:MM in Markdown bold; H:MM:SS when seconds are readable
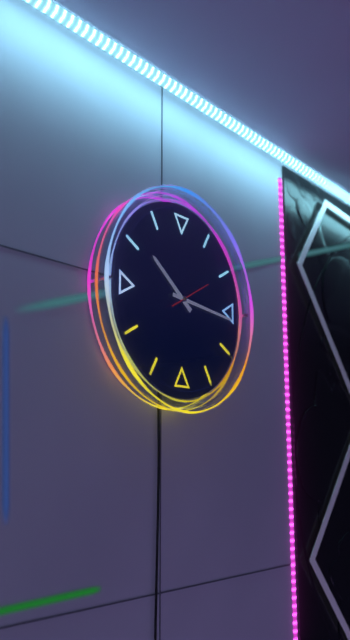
**10:16**
